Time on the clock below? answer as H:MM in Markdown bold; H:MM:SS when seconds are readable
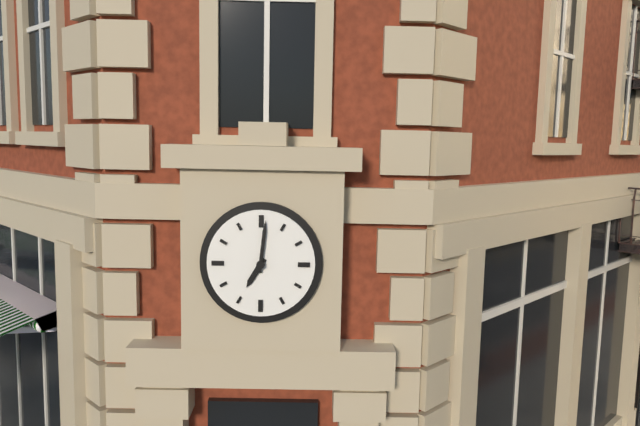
**7:01**
